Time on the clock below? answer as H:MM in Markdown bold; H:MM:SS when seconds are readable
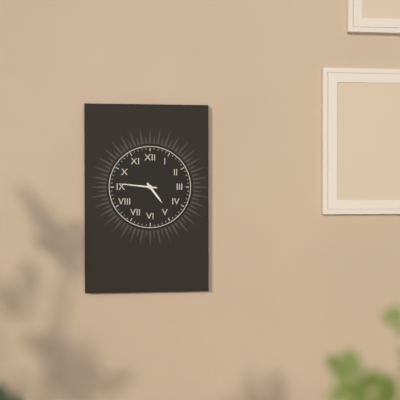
**4:46**
